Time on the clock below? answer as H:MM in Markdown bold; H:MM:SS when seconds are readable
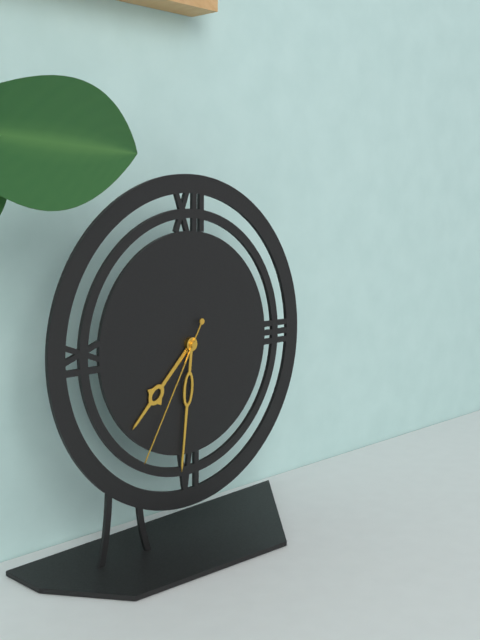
**7:31:35**
